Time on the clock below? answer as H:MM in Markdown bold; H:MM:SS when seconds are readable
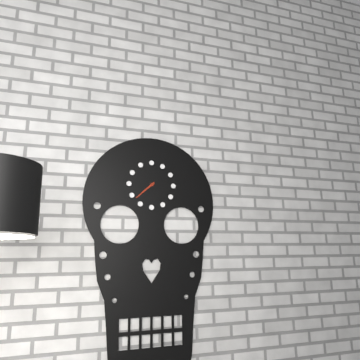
**7:38**
